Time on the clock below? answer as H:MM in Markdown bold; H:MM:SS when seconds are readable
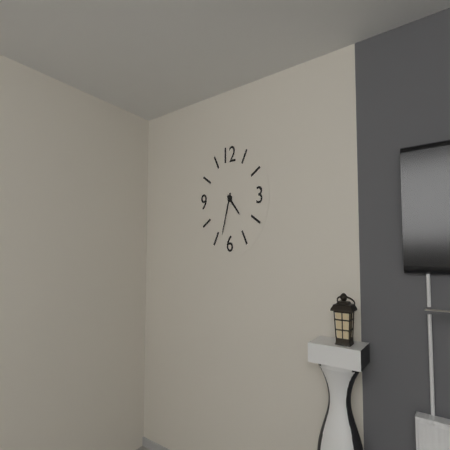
**4:33**
